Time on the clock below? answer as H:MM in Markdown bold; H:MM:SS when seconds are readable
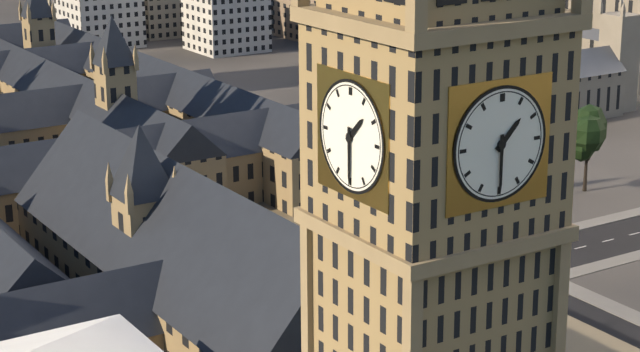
**1:30**
